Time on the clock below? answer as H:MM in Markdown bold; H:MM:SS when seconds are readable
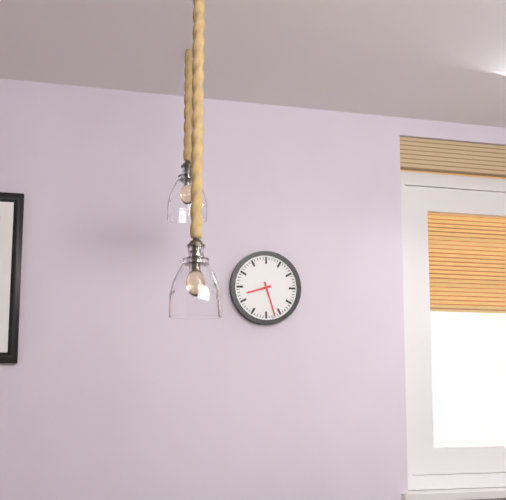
**8:27**
